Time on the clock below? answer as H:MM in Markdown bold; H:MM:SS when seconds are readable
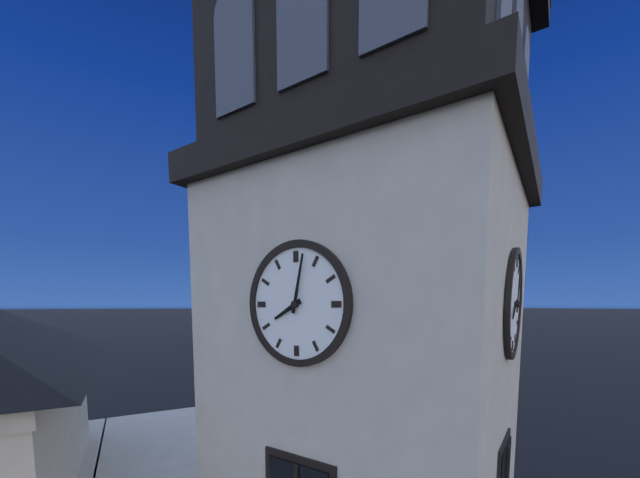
**8:02**
